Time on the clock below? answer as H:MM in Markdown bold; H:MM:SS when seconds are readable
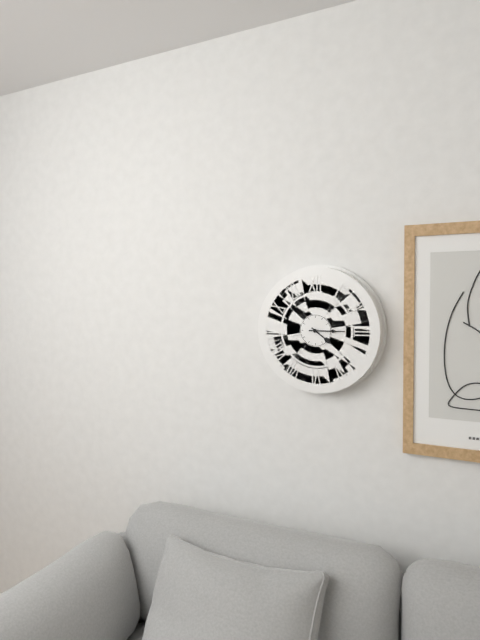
**4:15**
